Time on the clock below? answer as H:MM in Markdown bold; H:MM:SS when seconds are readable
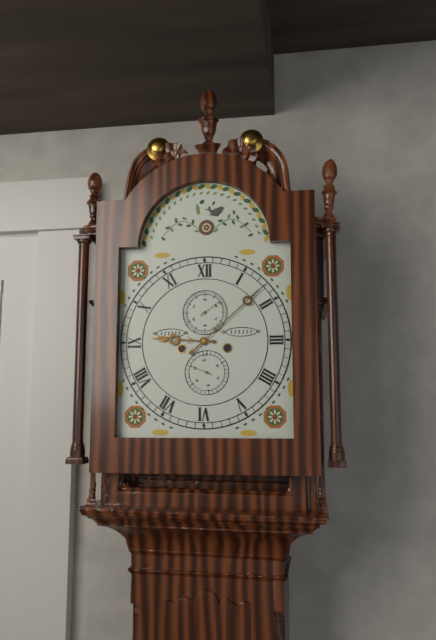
**9:08**
